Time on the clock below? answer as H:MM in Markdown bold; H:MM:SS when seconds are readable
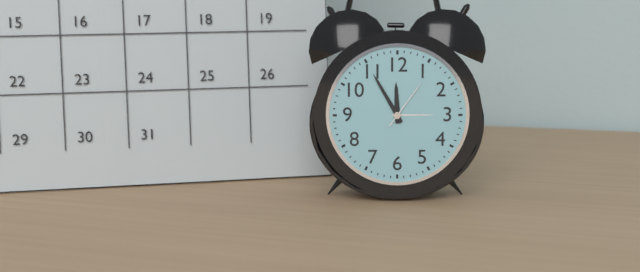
**11:55:06**
